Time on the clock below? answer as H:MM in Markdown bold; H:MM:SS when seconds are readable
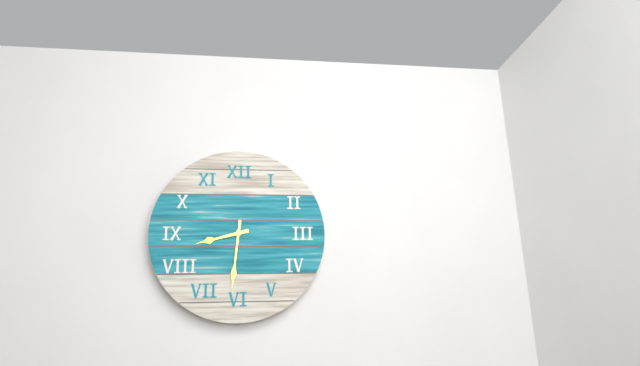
**8:31**
